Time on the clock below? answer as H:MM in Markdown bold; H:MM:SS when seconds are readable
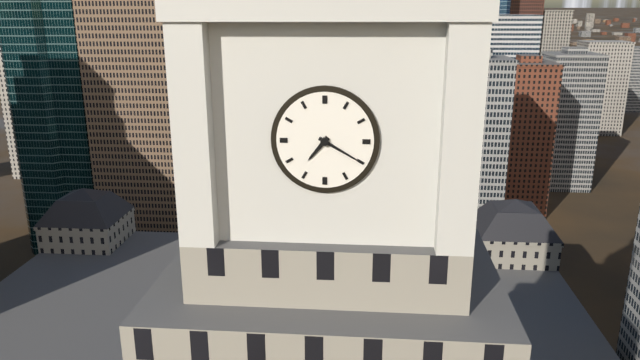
**7:20**
